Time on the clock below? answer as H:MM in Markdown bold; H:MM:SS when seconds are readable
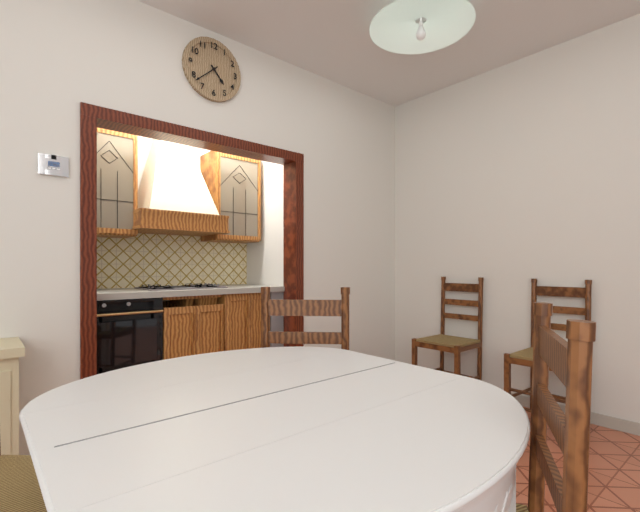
**4:38**
